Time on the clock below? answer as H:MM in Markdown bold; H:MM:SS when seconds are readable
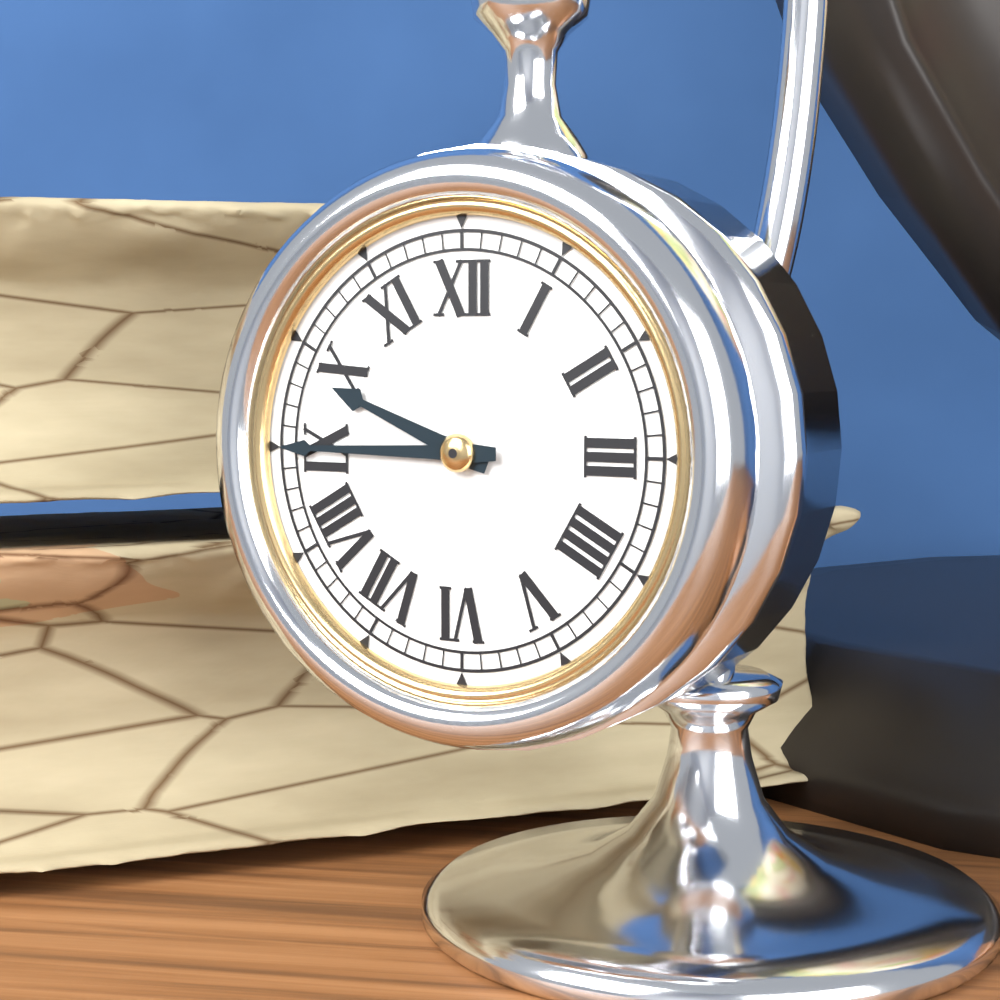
**9:45**
